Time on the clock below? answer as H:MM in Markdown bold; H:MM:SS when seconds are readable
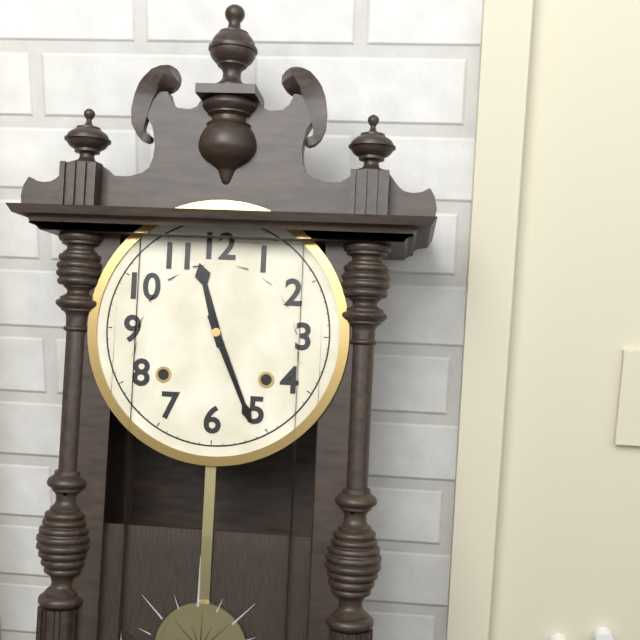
**11:26**
